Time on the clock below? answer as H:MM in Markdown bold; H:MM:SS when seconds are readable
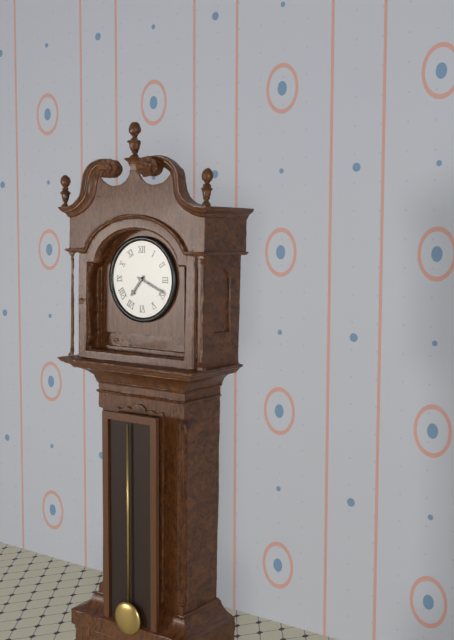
**7:19**
